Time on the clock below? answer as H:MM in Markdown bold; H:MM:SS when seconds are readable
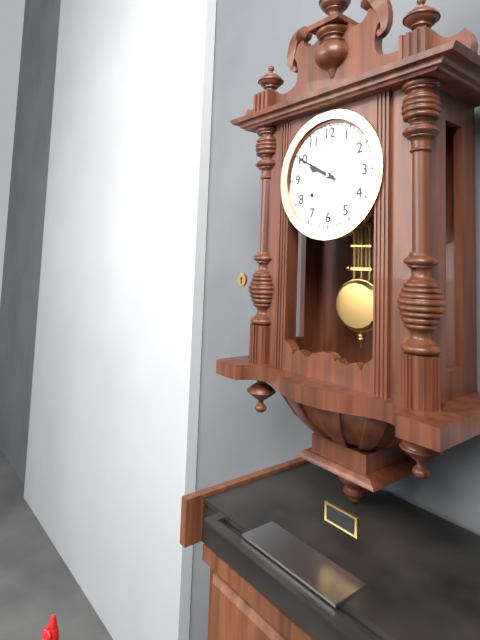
**9:50**
